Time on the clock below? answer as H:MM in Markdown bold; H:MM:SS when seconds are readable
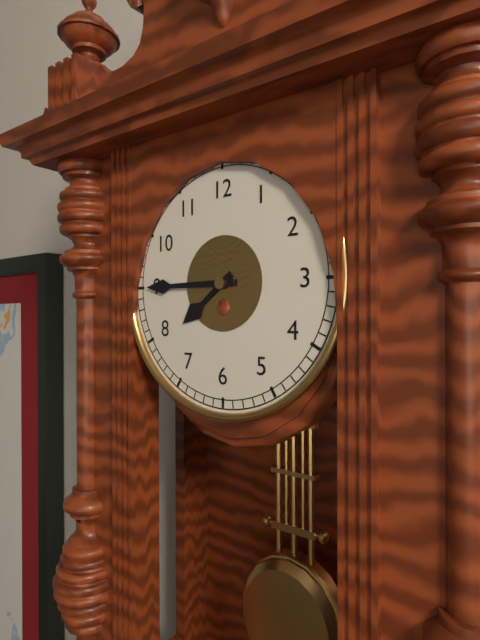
**7:45**
